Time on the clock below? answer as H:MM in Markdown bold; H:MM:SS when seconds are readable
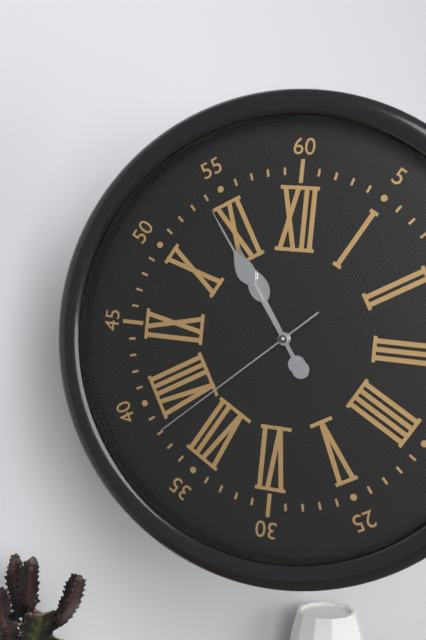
**10:54:38**
